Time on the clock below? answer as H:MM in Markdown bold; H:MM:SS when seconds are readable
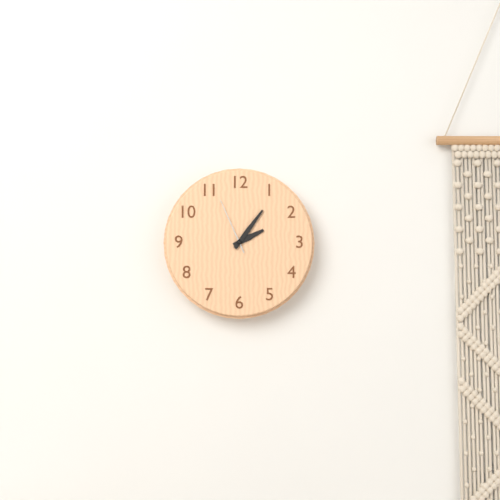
**2:06:56**
